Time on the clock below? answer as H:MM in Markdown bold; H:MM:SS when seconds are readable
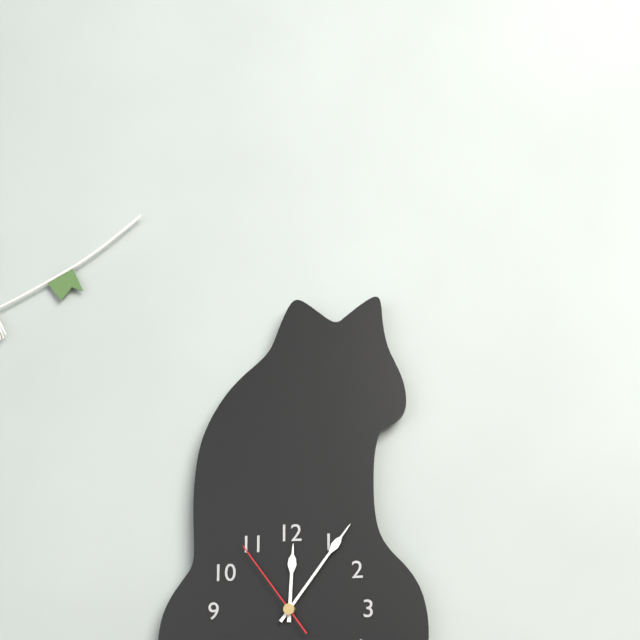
**12:06:54**
